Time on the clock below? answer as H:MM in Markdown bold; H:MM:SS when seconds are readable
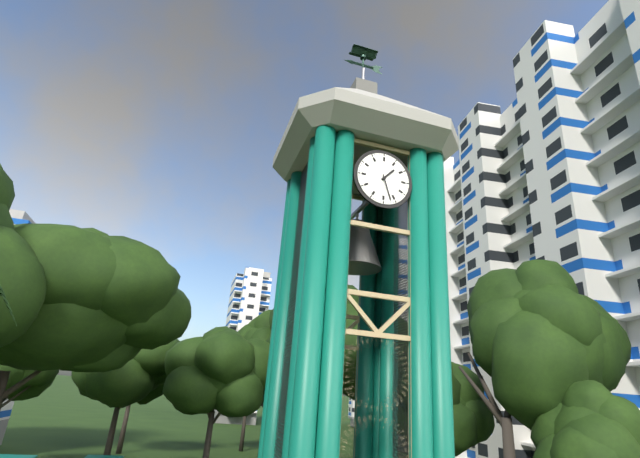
**1:27**
